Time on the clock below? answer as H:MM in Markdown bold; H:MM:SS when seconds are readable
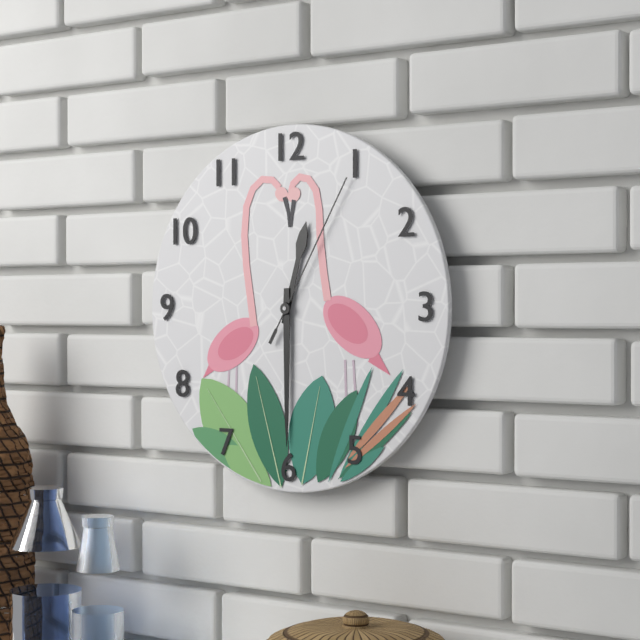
**12:30:05**
